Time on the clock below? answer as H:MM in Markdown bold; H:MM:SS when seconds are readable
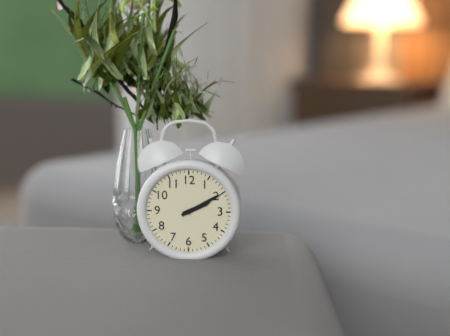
**2:10**
